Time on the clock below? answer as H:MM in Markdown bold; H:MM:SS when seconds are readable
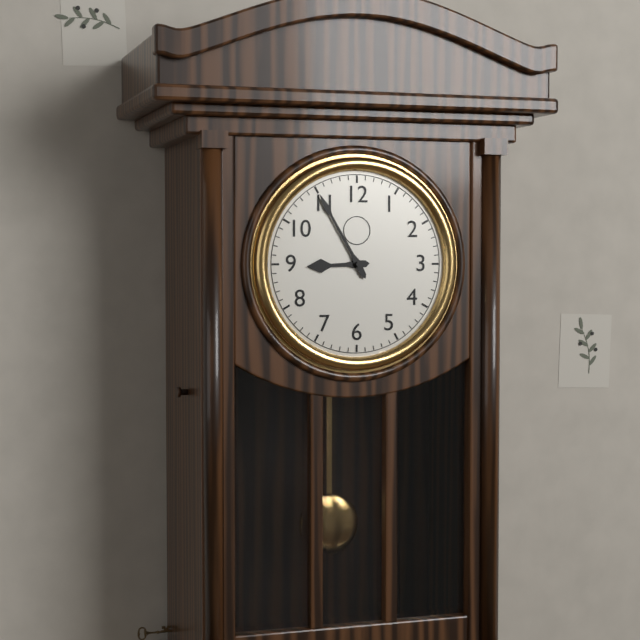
**8:55**
